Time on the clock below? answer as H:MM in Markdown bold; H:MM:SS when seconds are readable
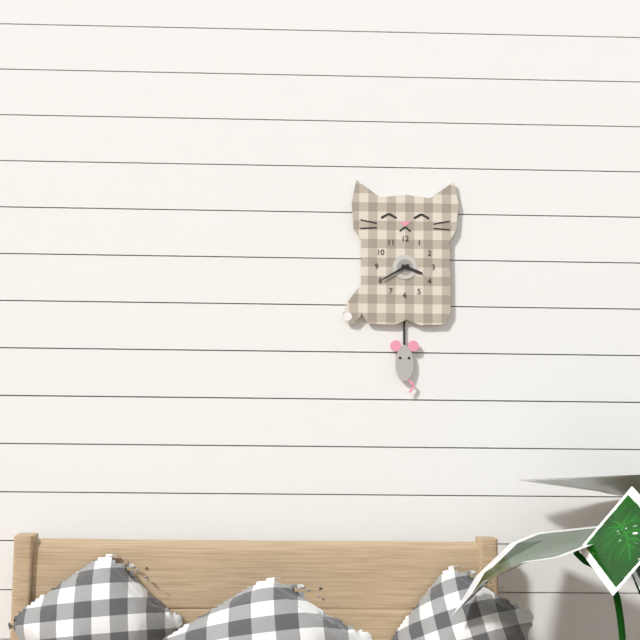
**3:40**
